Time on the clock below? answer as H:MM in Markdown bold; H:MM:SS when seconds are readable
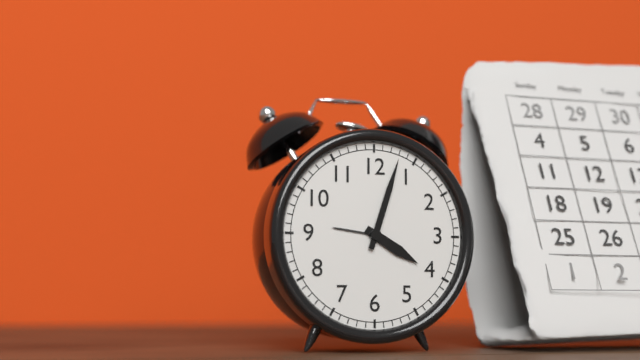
**4:03**
